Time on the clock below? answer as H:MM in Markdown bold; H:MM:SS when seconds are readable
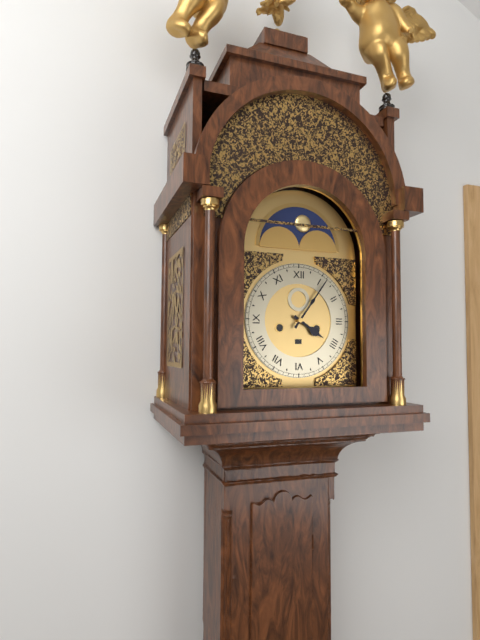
**4:06**
